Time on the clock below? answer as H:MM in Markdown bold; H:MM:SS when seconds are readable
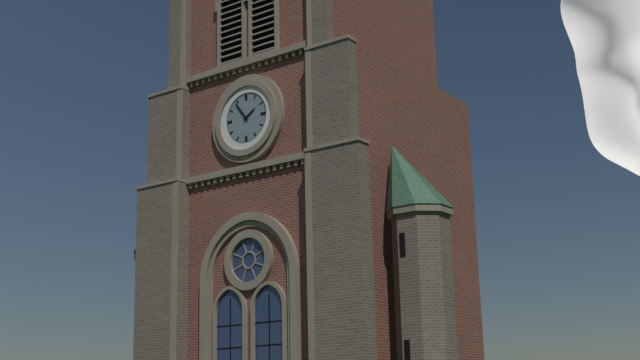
**1:54**
